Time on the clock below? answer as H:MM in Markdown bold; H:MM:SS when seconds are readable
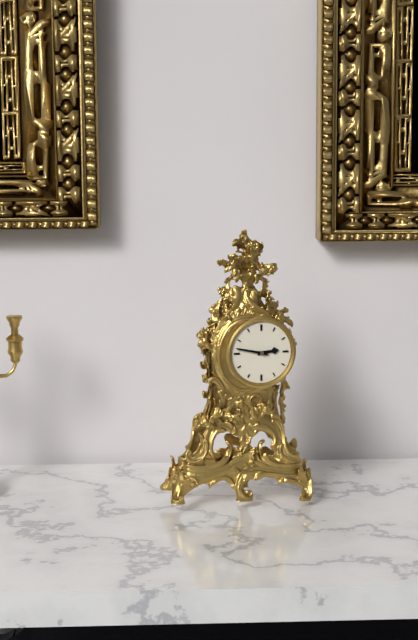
**2:47**
